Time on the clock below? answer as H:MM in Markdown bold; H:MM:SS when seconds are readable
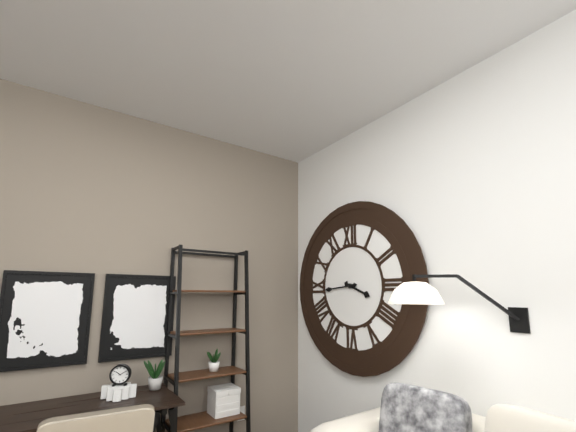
**3:44**
